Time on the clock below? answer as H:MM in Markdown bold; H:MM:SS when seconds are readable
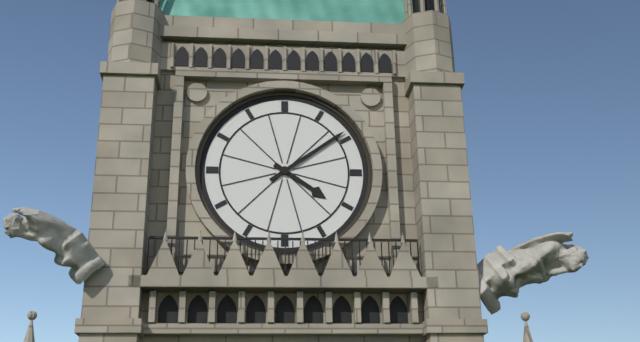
**4:09**
